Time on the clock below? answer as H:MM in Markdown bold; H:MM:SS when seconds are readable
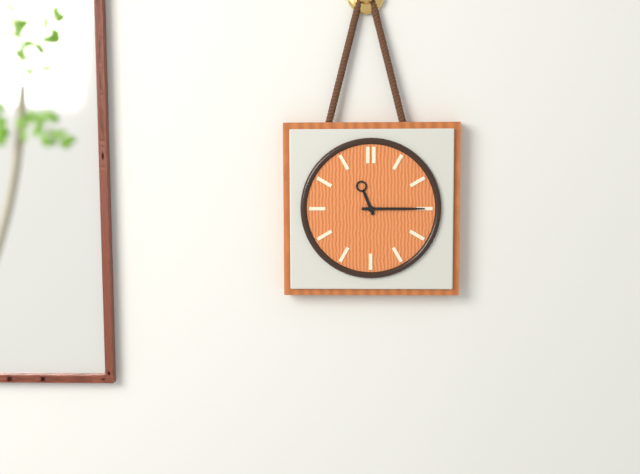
**11:15**
